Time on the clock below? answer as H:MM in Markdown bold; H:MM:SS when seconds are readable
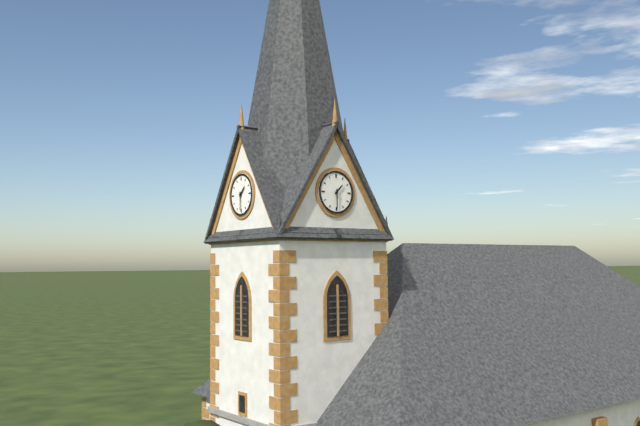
**1:30**
